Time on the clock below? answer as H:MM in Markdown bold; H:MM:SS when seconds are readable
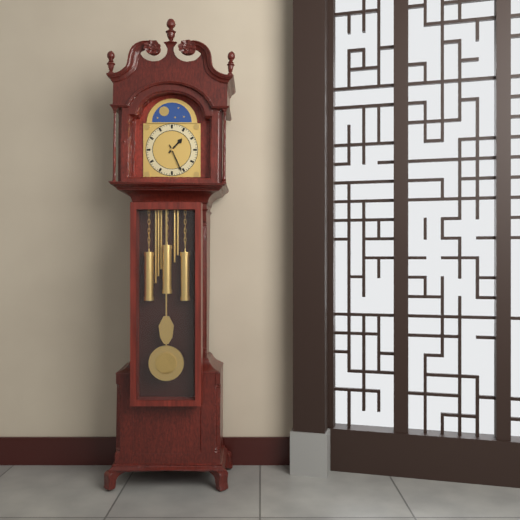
**1:26**
